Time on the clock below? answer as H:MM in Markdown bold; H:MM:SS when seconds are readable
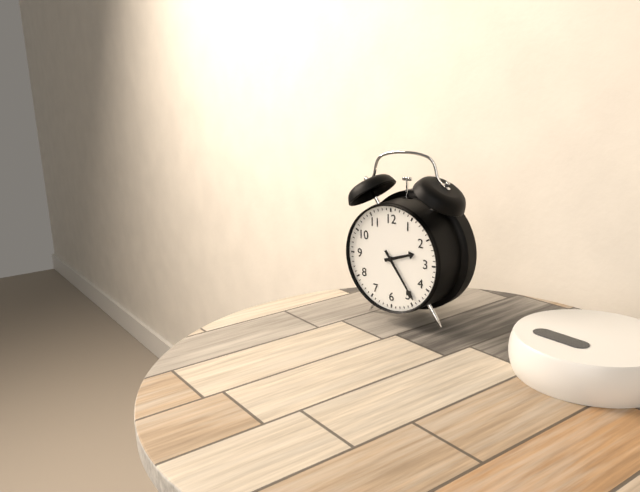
**2:24**
